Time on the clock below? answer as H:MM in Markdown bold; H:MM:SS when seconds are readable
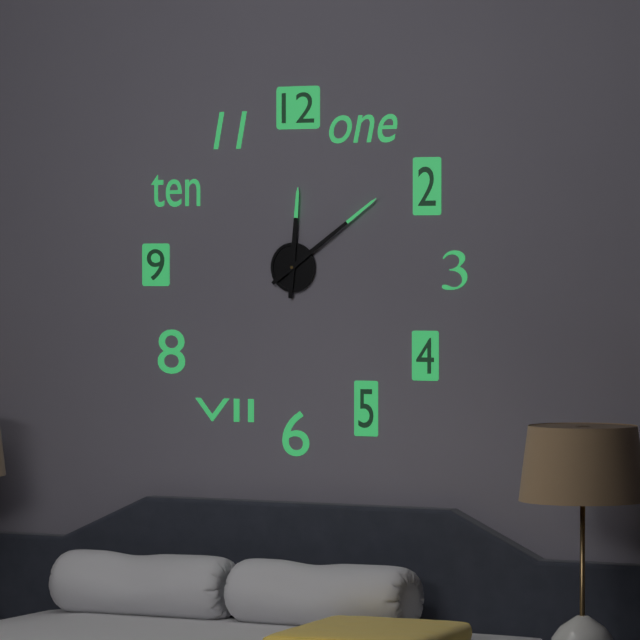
**12:09**
